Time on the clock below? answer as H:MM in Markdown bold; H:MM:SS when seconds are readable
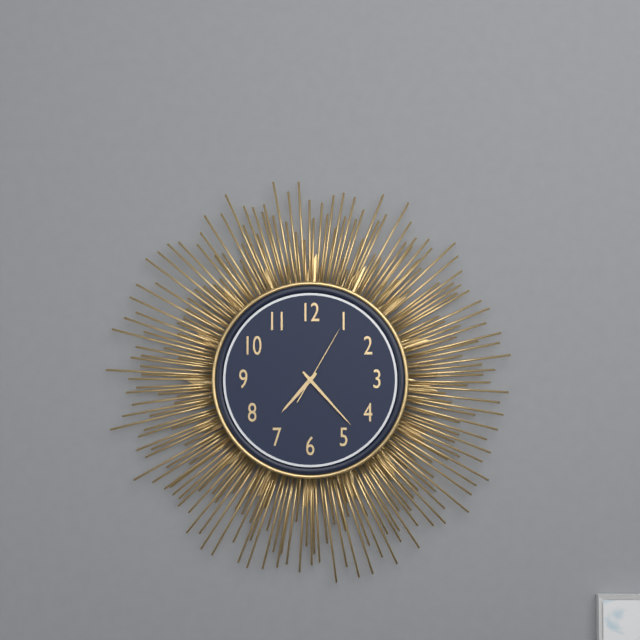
**7:23:05**
